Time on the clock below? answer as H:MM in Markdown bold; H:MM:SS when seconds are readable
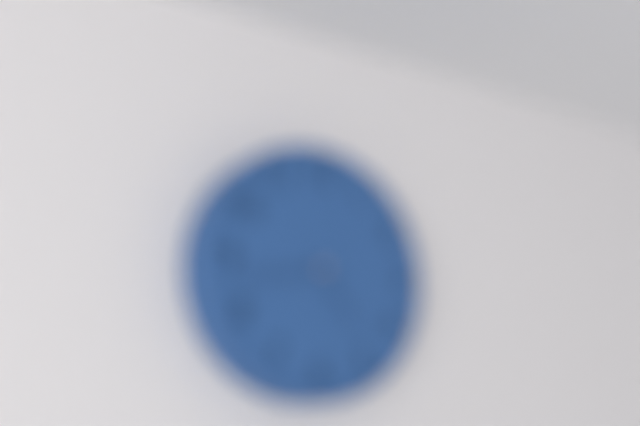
**4:43**
